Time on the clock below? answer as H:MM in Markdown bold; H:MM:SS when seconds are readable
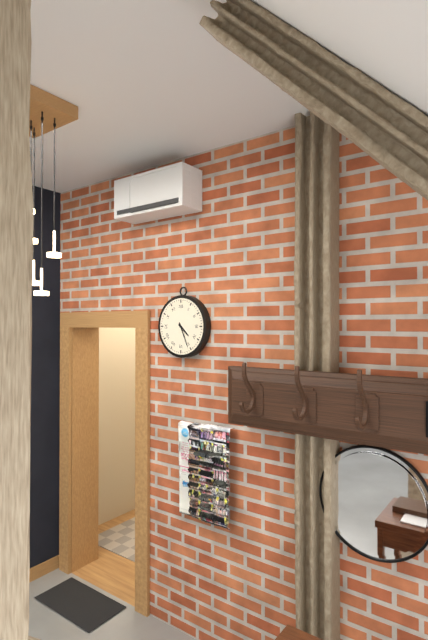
**4:26**
